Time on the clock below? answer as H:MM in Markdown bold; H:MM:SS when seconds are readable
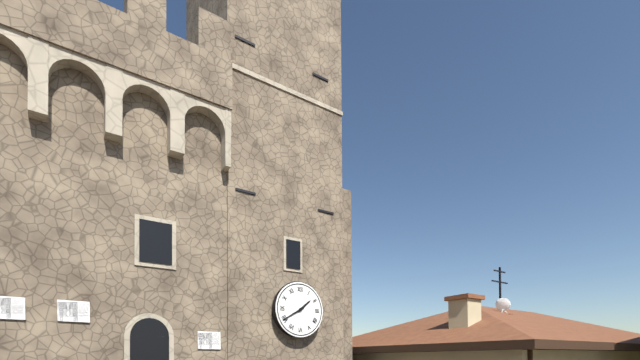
**1:40**
